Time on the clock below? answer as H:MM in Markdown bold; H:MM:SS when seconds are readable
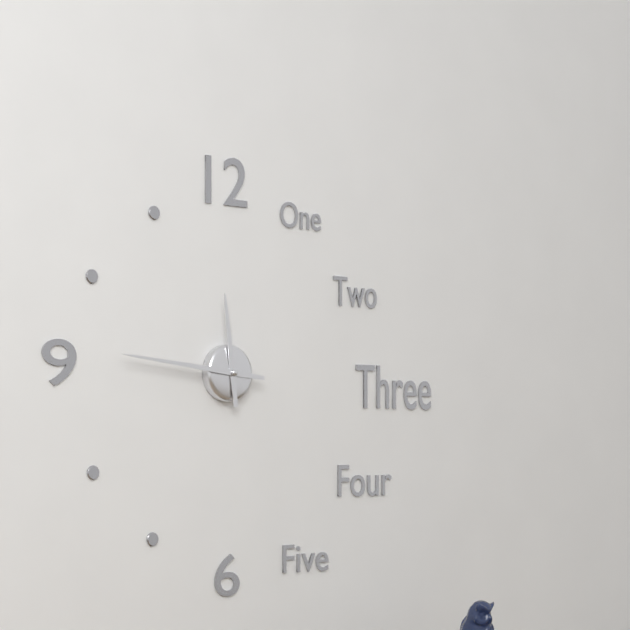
**11:46**
